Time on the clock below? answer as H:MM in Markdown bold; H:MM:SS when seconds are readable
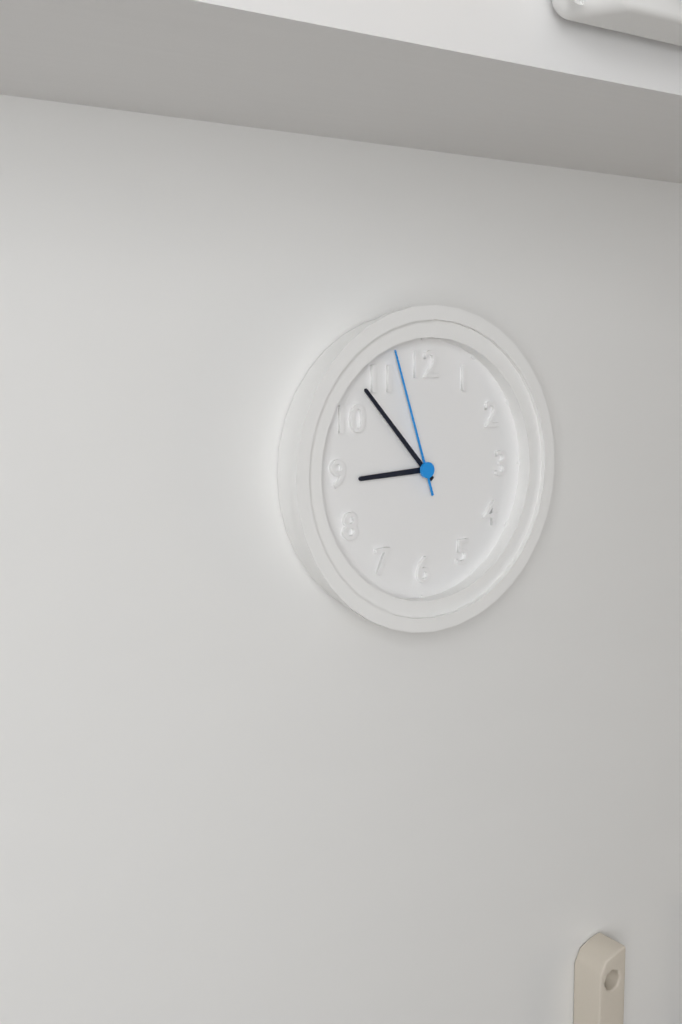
**8:53:57**
